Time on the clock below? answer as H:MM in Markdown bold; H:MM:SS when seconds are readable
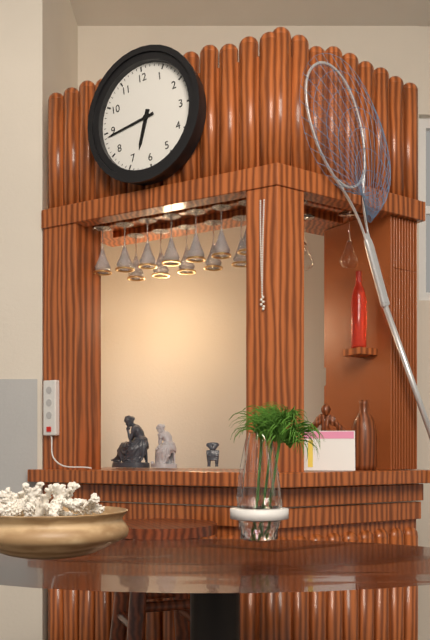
**6:44**
